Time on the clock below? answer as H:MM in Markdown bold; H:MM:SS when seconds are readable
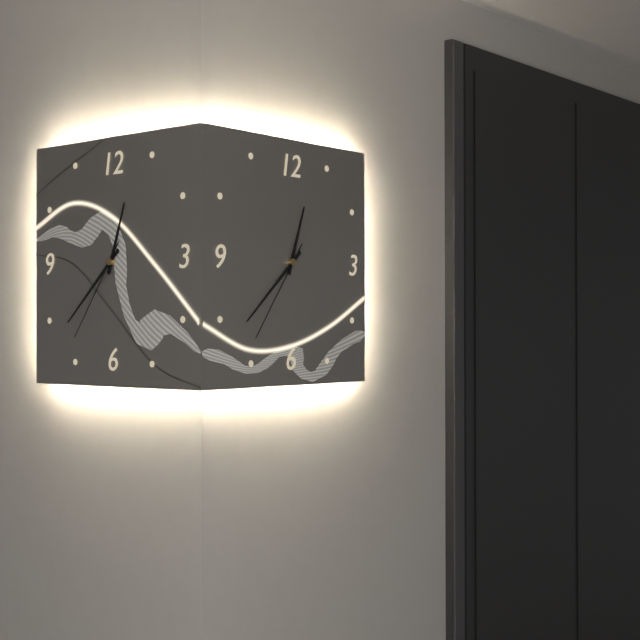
**12:38:36**
